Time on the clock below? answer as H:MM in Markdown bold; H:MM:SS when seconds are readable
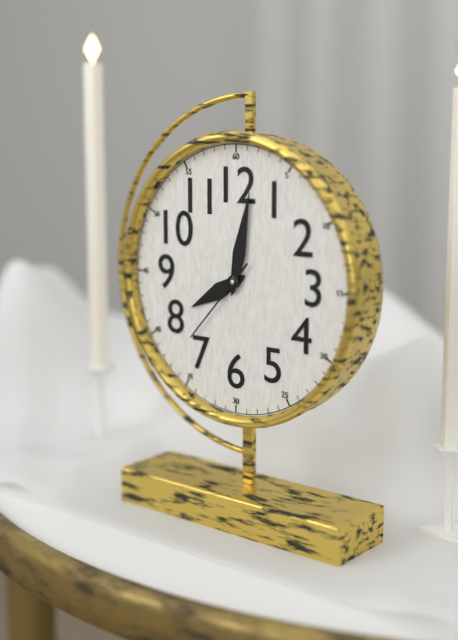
**8:02:37**
